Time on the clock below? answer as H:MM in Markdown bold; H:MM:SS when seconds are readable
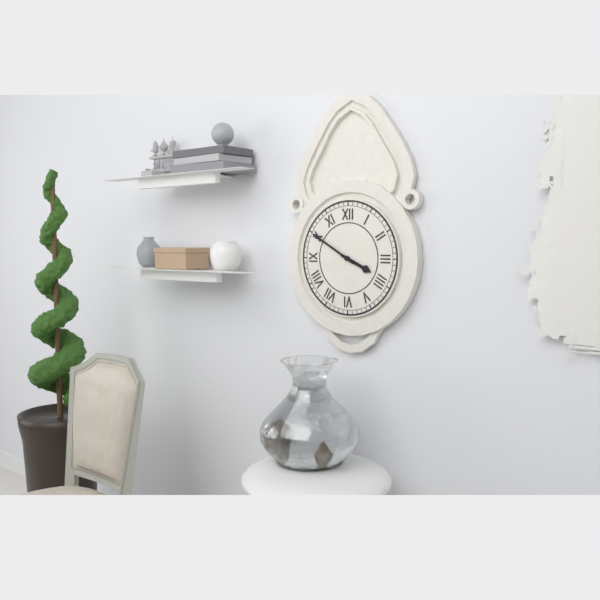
**3:50**
